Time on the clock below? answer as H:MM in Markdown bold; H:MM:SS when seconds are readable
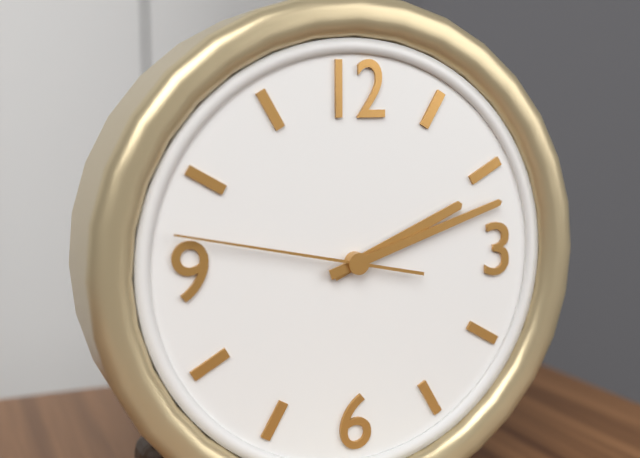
**2:12:47**
